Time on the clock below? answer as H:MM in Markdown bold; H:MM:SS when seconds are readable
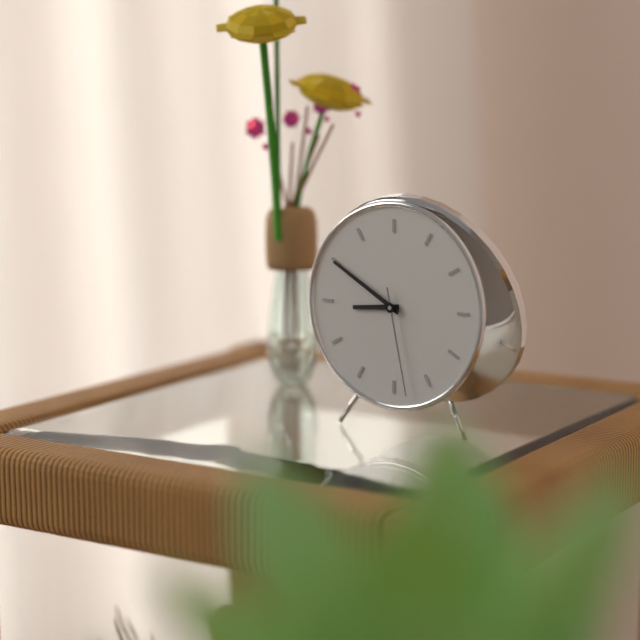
**8:50:28**
